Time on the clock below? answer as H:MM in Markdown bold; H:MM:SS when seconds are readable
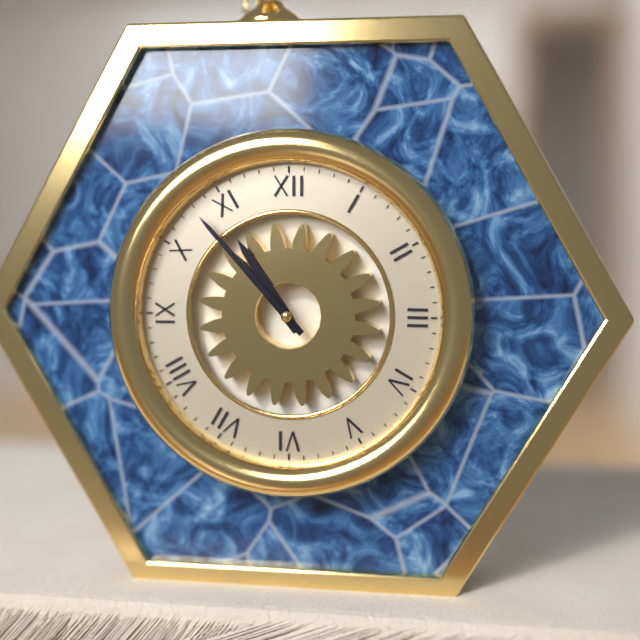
**10:53**
